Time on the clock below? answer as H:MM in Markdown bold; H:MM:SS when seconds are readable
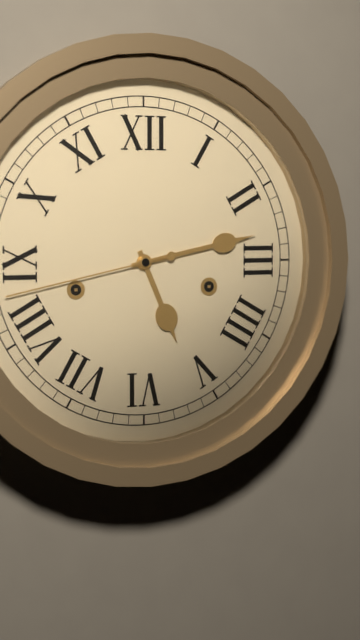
**5:13:43**
